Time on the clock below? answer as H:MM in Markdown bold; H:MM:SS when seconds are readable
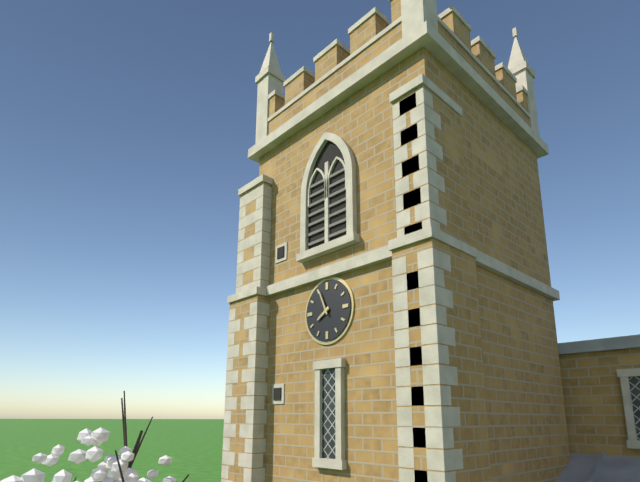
**7:56**
